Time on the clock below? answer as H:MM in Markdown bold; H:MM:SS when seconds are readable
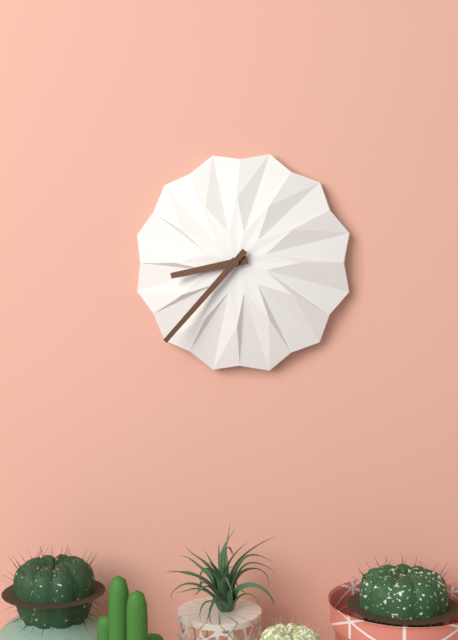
**8:37**
